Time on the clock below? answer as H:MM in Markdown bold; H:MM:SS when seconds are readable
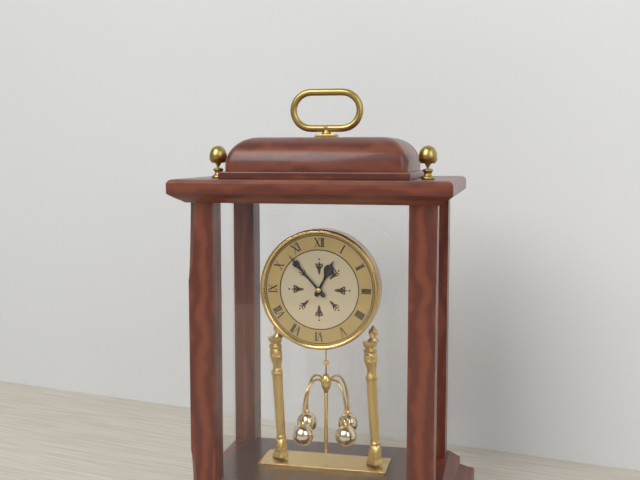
**12:53**
